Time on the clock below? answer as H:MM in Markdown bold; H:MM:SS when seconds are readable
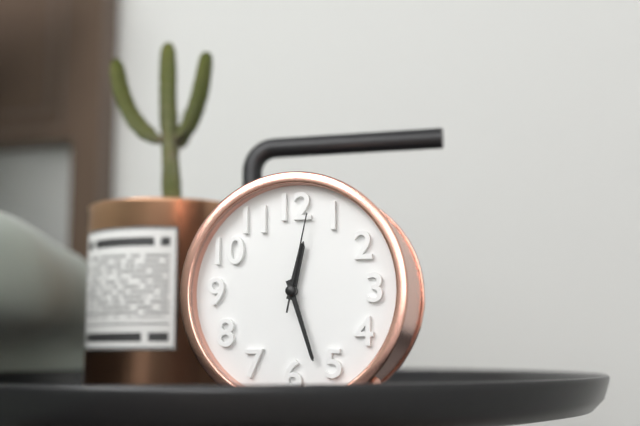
**12:27:02**
